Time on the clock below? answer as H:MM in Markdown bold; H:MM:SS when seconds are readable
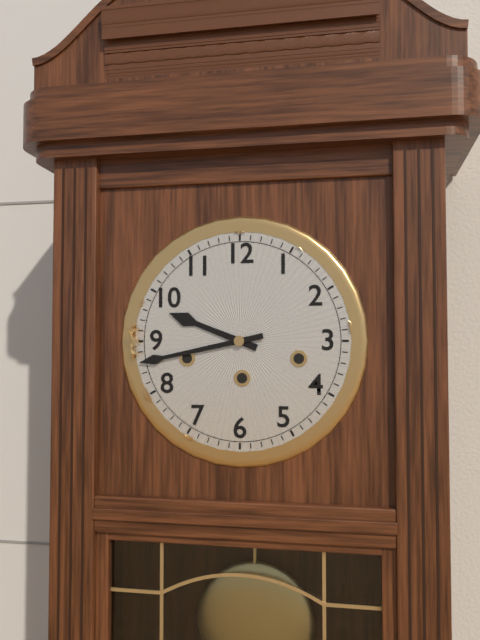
**9:43**
